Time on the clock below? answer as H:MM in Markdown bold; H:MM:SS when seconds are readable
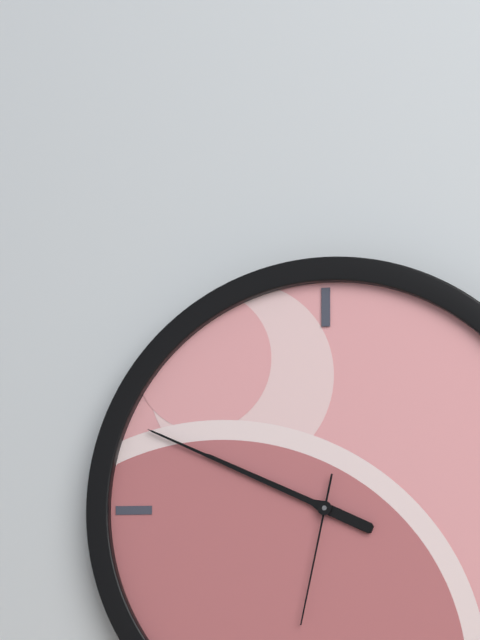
**9:49:32**
